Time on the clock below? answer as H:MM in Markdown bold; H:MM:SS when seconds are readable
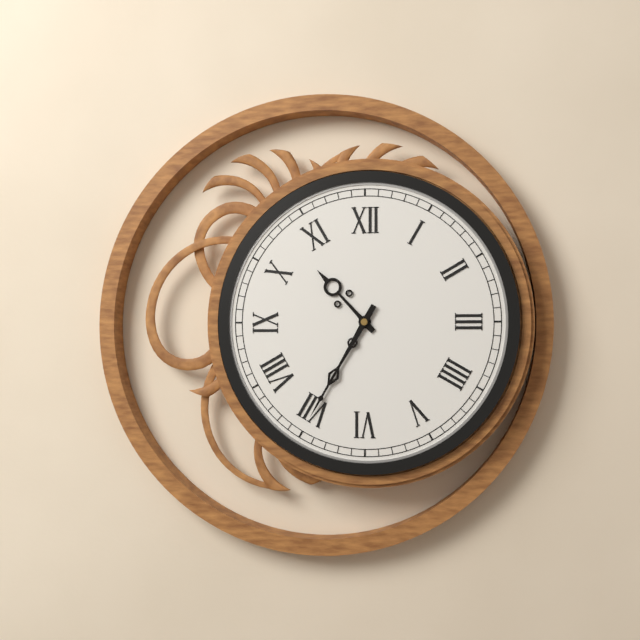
**10:35**
